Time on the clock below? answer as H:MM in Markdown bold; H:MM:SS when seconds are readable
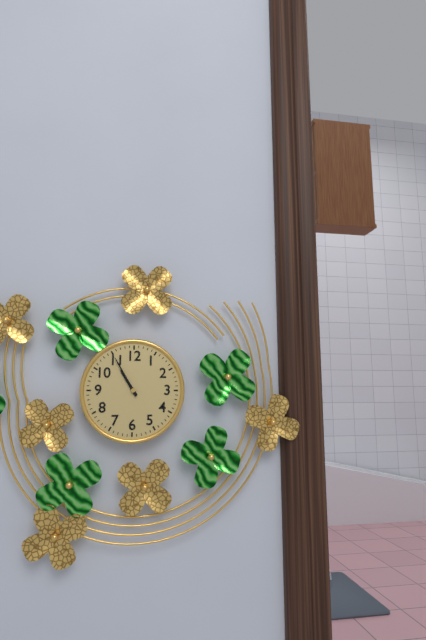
**10:55**
